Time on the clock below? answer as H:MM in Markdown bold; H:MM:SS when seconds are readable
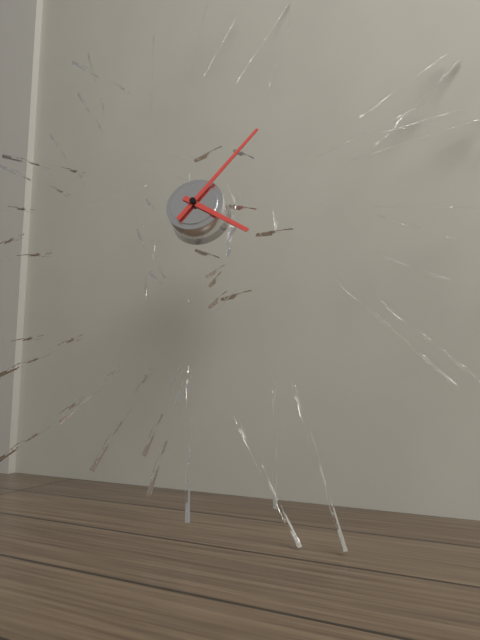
**4:06**
